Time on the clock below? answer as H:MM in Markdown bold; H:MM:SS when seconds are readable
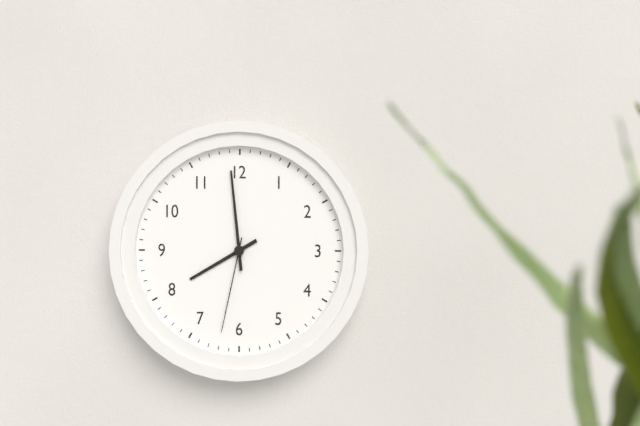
**7:59:32**
